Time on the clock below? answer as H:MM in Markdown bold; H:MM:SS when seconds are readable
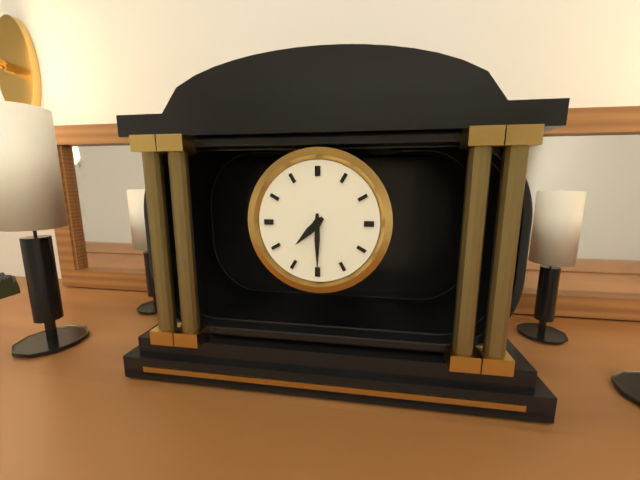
**7:30**
